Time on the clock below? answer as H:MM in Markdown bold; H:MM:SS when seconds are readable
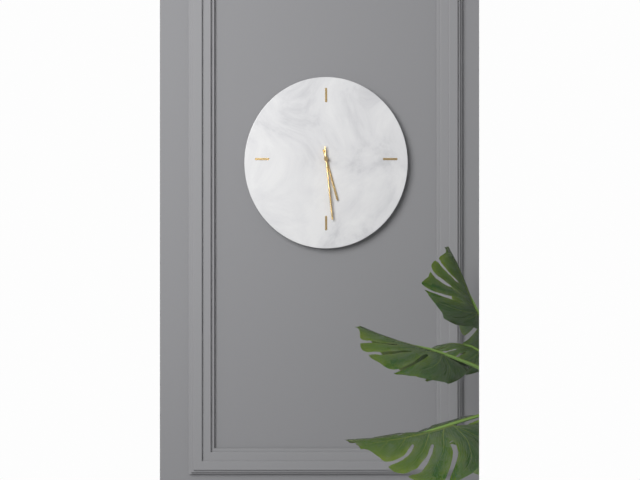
**5:29**
